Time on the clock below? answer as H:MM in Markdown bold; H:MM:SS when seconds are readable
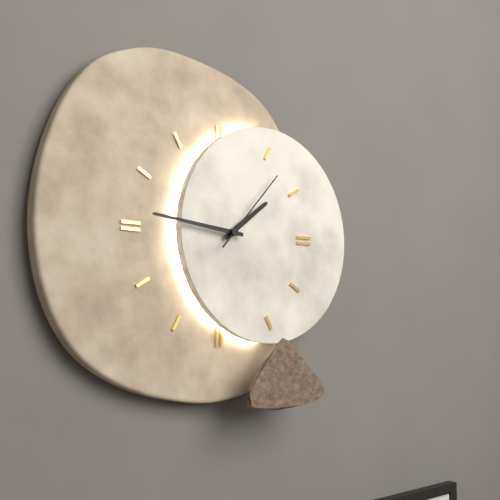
**1:46:07**
